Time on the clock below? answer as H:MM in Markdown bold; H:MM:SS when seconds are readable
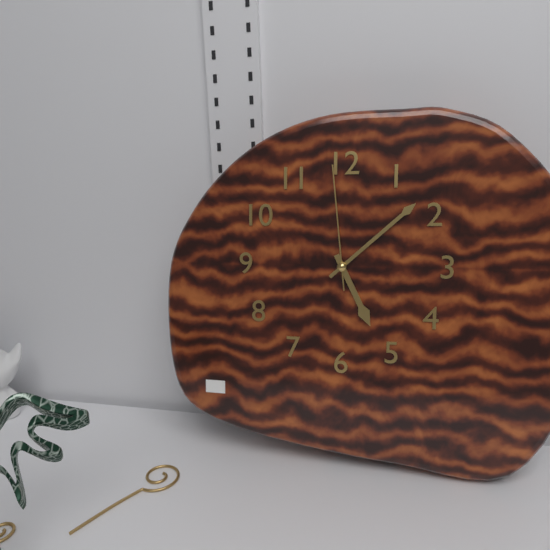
**5:08:59**
